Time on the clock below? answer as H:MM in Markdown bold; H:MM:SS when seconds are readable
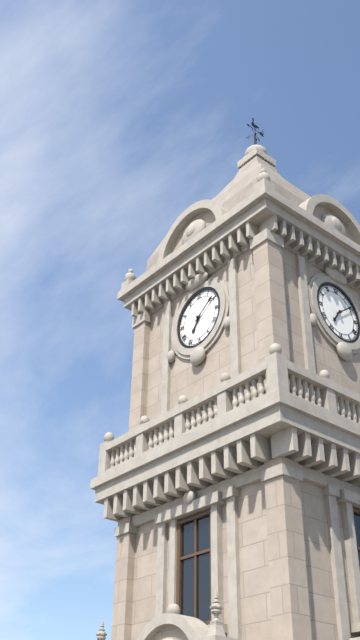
**7:09**
